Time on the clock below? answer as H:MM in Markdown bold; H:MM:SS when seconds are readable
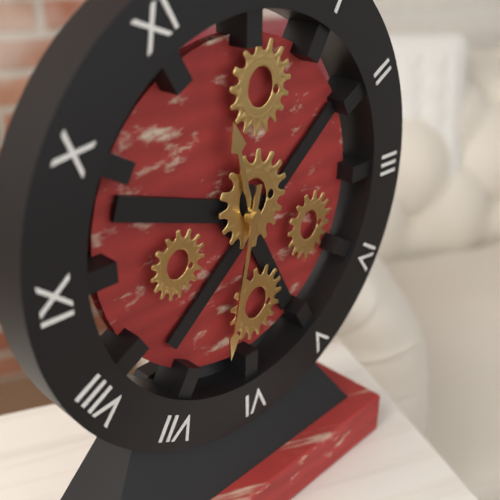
**11:32**
